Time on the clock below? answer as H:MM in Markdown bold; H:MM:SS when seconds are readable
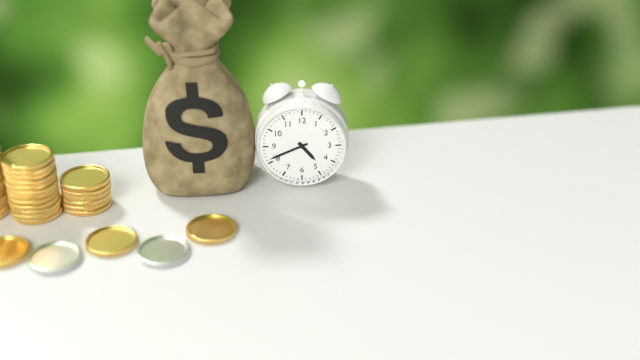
**4:41**
